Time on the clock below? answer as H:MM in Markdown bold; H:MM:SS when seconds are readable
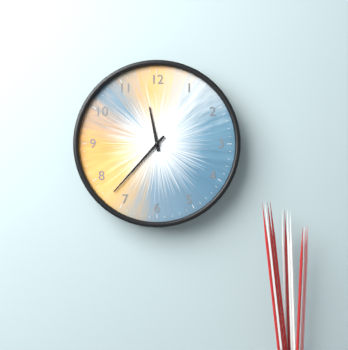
**11:37**
